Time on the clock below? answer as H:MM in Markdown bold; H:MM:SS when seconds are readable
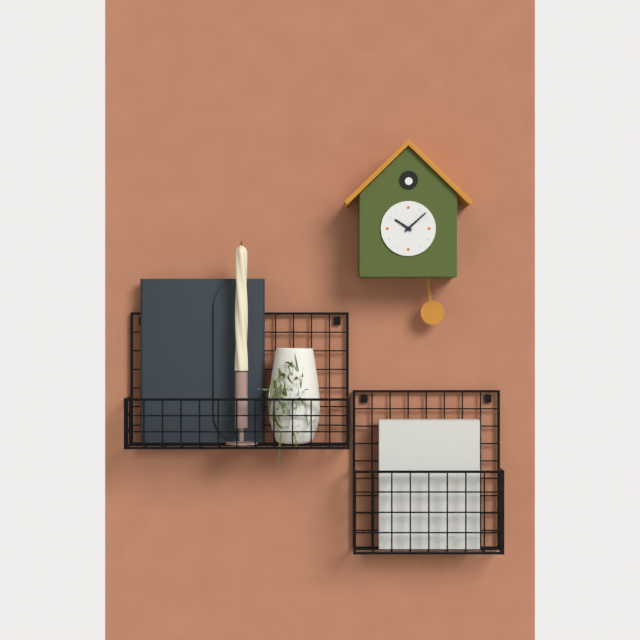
**10:08**
